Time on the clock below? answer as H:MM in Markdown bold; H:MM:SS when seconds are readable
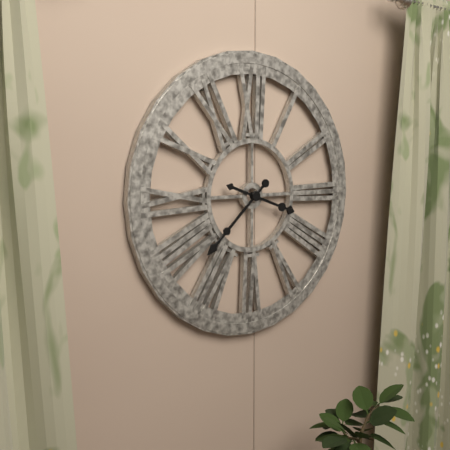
**3:38**
